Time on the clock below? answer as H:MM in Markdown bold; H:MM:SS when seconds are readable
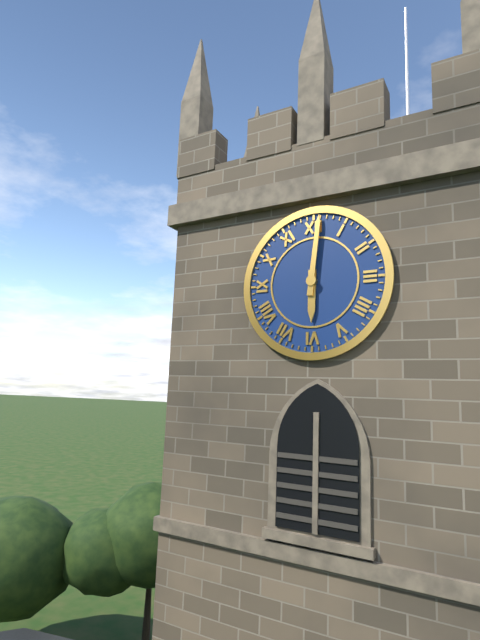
**6:01**
